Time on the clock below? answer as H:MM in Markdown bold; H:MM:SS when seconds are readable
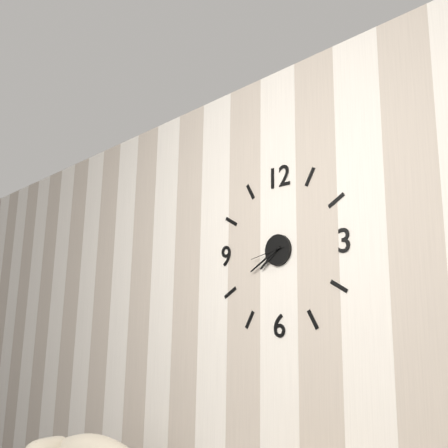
**7:40**
